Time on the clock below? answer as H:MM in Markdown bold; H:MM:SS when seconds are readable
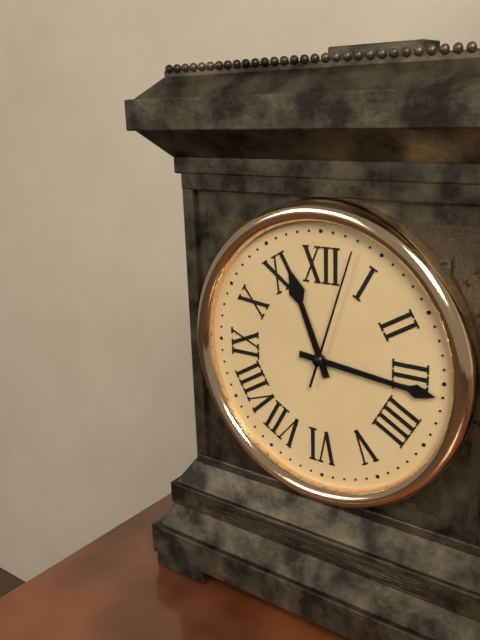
**11:16:03**
